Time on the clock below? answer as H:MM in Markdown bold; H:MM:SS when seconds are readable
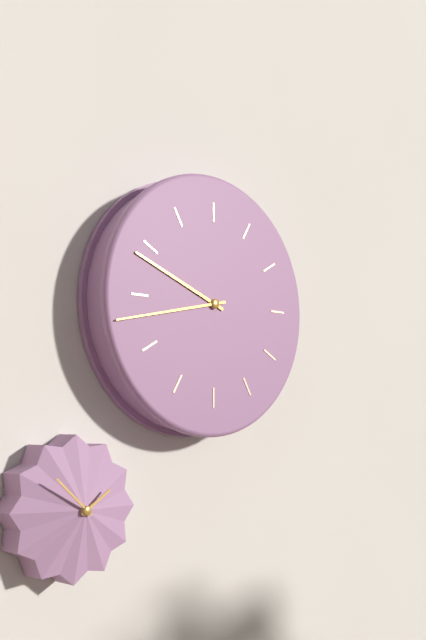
**9:43**
